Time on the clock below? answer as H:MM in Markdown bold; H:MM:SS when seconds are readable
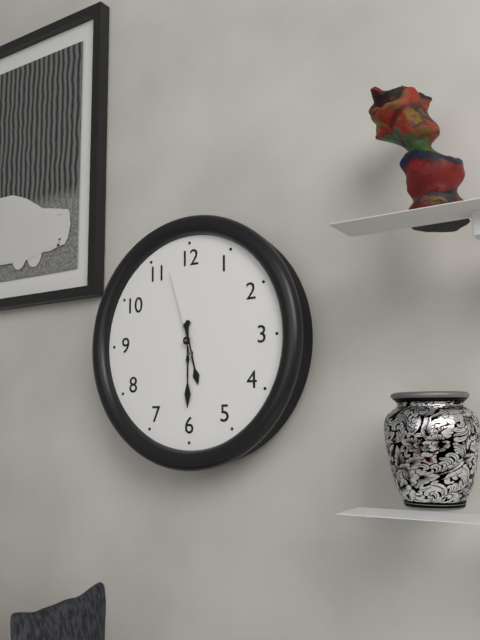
**5:30:57**
